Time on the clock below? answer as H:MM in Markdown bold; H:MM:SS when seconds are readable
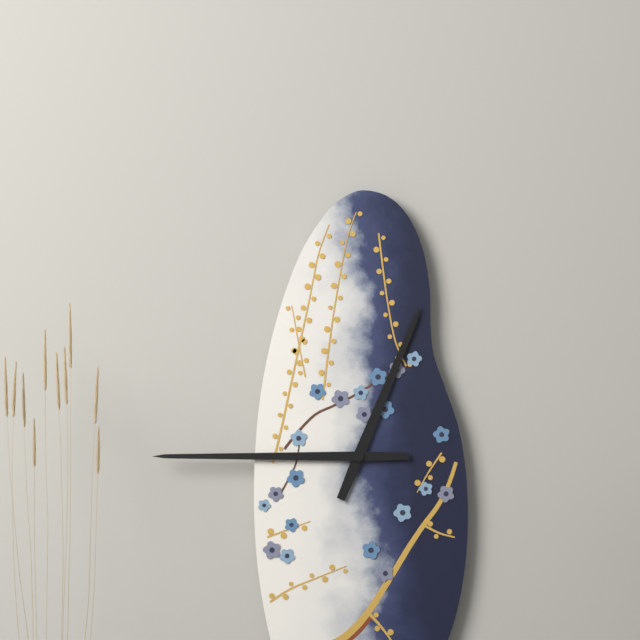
**12:45**
